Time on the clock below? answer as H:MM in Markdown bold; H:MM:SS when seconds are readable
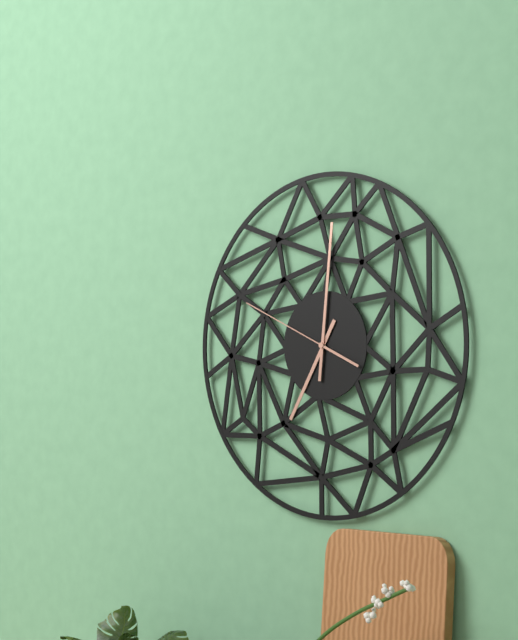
**7:01:49**
